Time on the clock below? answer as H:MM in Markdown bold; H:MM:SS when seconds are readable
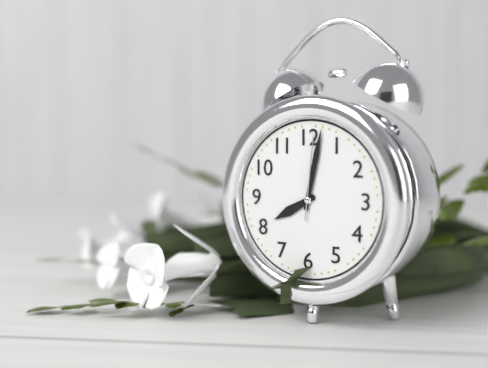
**8:02:01**
